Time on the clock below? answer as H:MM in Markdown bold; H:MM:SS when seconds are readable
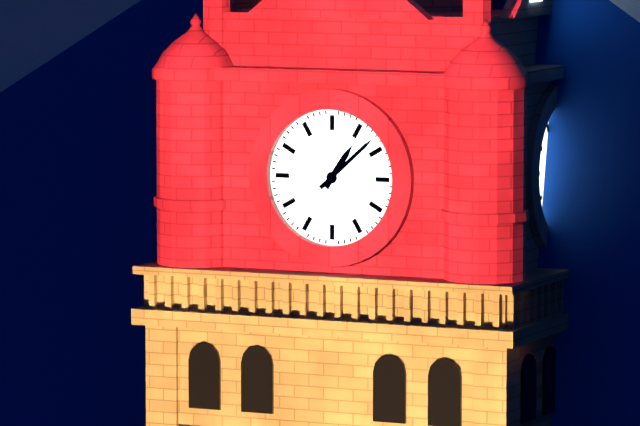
**1:08**
